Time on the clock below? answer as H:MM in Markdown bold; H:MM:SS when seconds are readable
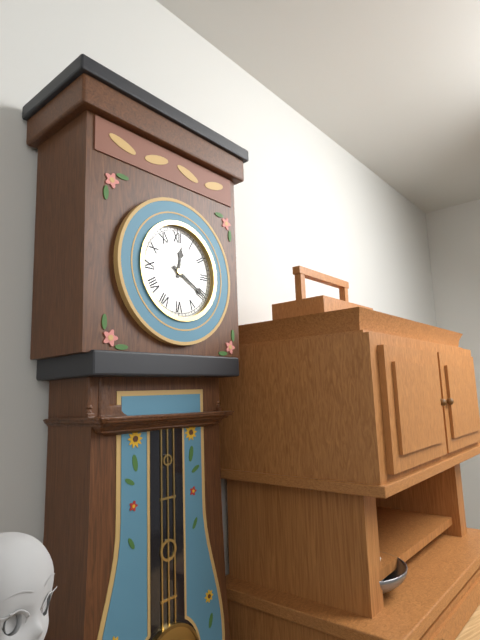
**12:20**
